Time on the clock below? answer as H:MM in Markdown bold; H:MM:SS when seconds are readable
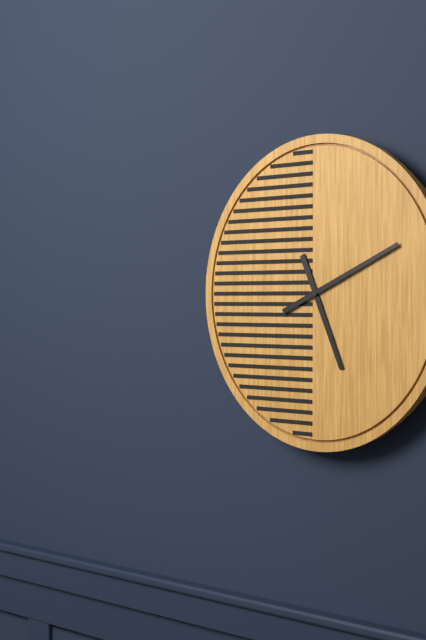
**5:11**
